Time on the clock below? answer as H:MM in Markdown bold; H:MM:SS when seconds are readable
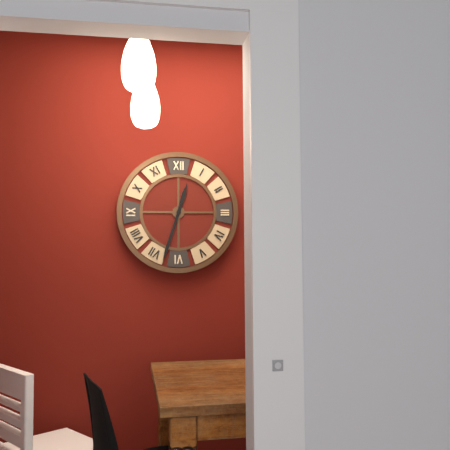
**12:33**
